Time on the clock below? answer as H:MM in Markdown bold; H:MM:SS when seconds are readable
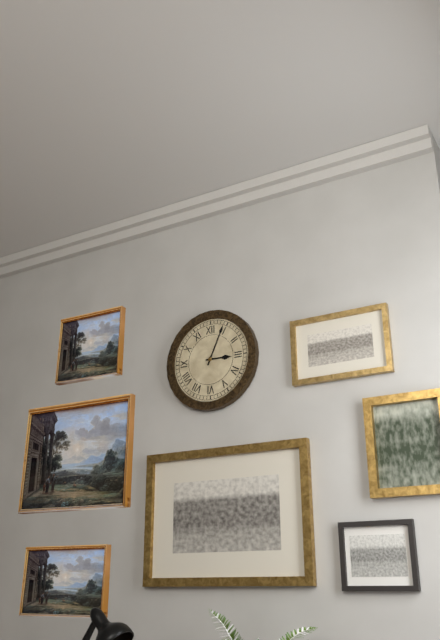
**3:04**
